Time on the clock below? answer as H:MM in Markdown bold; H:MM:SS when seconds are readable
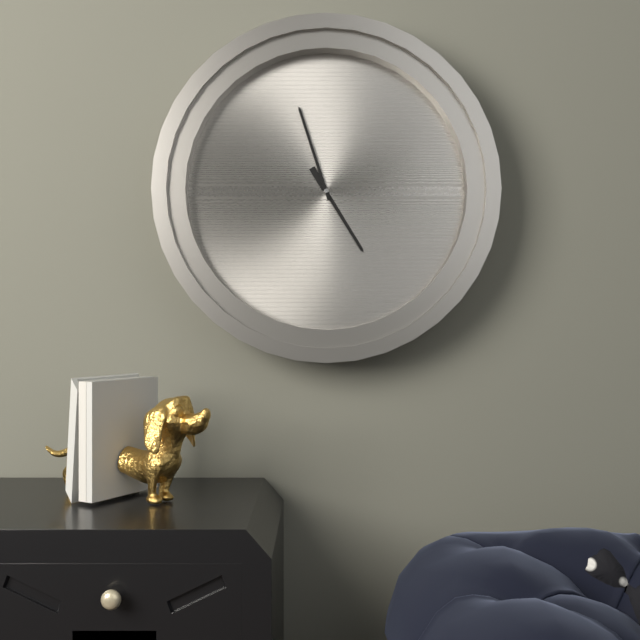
**4:57**
